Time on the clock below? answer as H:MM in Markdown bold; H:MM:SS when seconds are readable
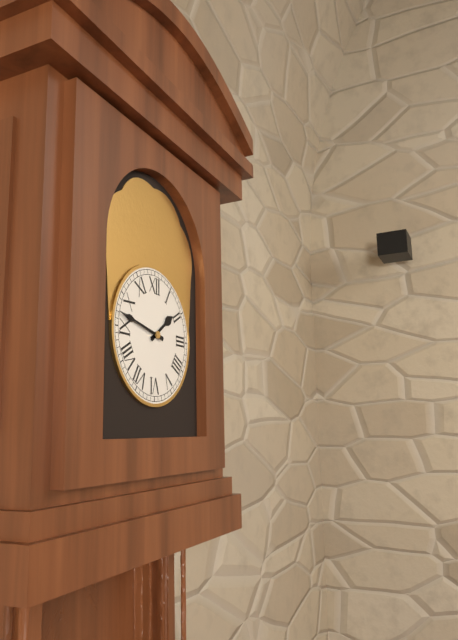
**1:47**
